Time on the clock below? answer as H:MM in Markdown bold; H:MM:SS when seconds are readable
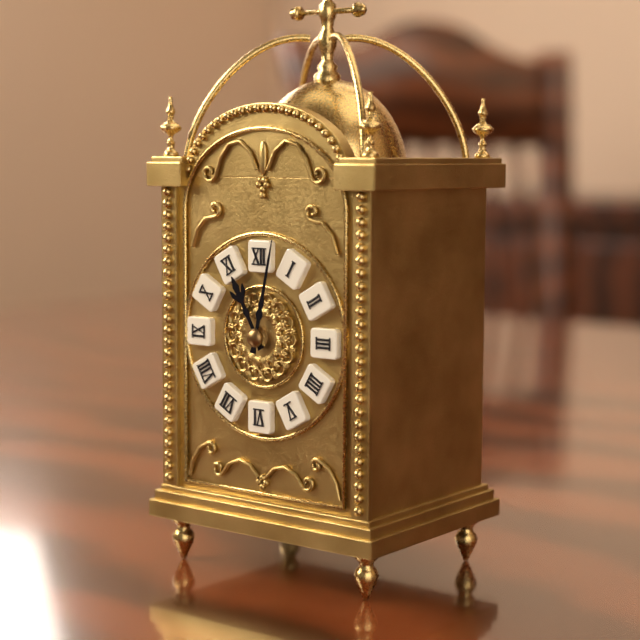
**11:02**
